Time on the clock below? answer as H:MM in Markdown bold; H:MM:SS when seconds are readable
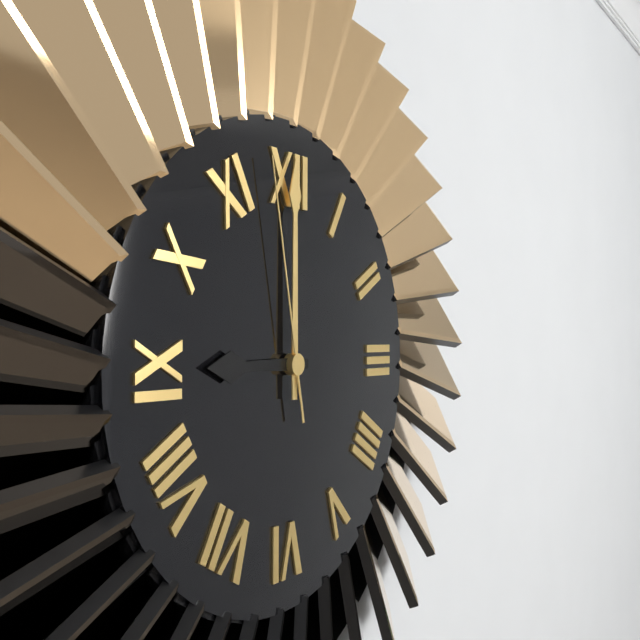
**9:00:58**
